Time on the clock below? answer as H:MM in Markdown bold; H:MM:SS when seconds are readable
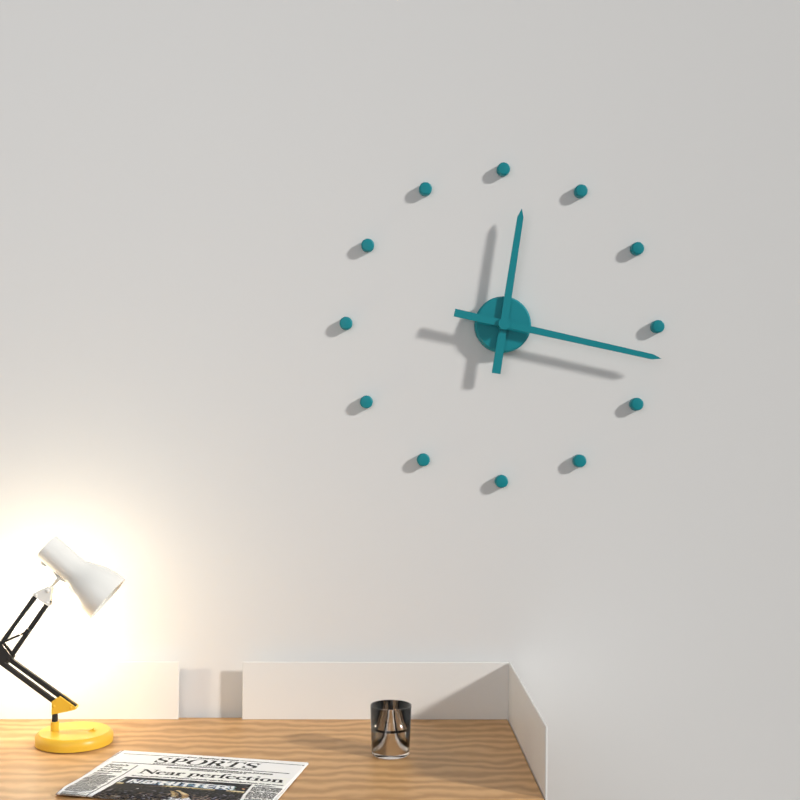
**12:17**
